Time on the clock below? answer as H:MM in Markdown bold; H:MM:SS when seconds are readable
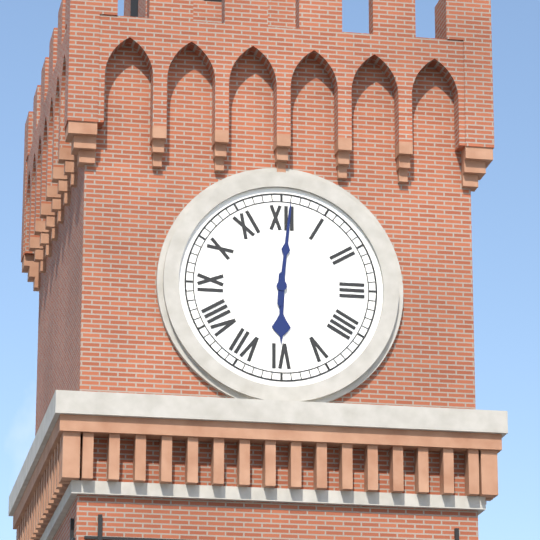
**6:01**
